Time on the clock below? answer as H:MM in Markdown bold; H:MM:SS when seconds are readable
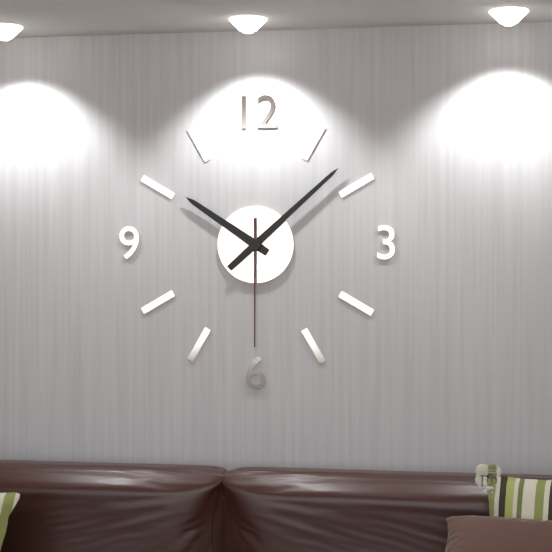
**10:08:30**
